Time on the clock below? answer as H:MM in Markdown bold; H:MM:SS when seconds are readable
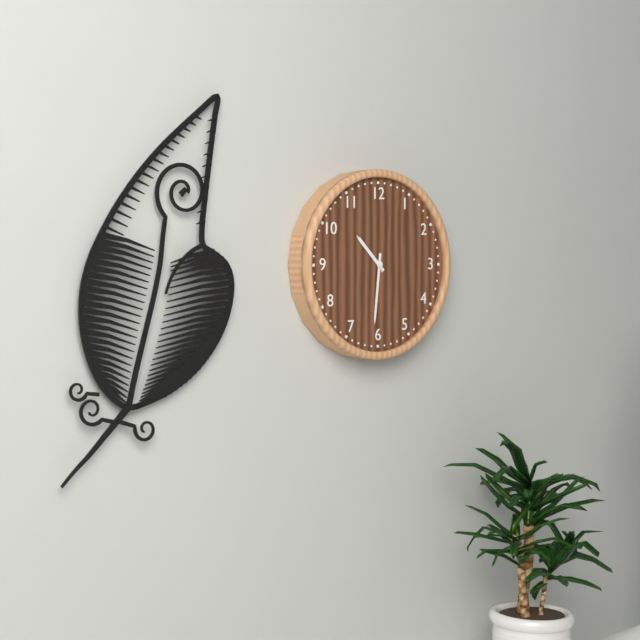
**10:31**
